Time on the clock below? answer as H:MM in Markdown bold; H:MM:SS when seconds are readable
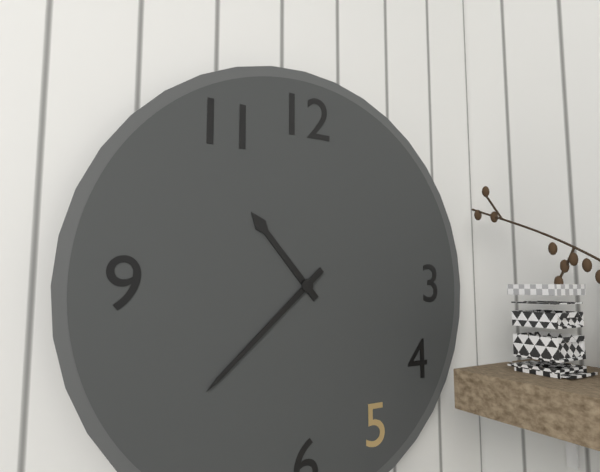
**10:38**
